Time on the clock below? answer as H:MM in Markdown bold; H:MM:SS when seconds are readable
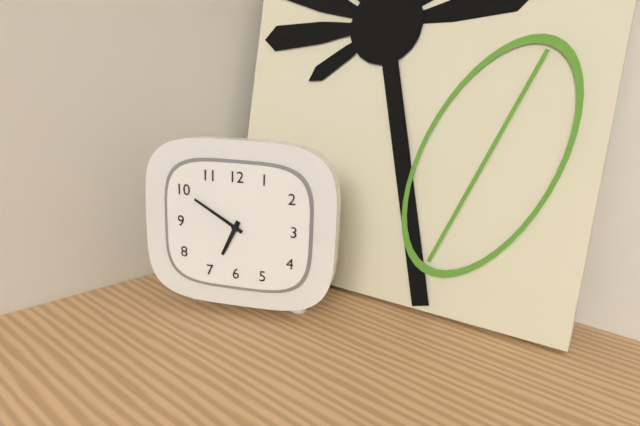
**6:50**
